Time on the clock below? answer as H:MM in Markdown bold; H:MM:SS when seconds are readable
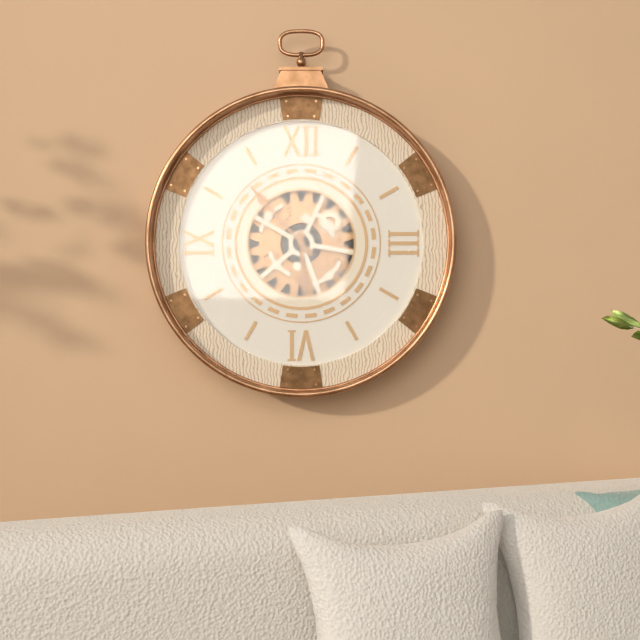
**5:53**
